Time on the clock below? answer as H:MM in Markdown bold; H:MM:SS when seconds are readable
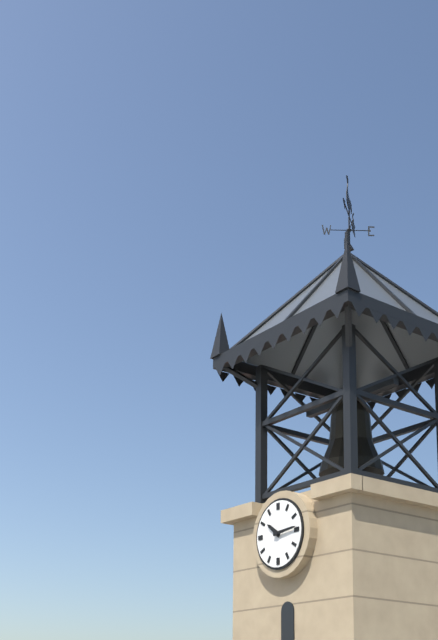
**10:14**
